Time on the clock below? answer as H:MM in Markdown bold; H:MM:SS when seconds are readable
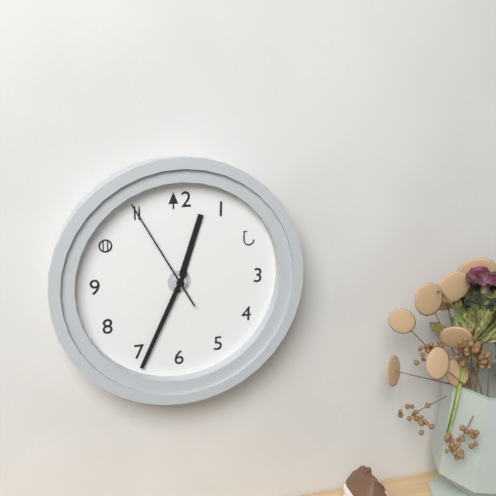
**12:34:55**
